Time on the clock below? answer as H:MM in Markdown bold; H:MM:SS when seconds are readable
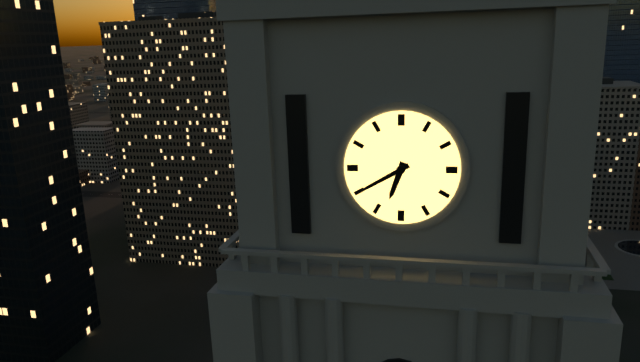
**6:40**
